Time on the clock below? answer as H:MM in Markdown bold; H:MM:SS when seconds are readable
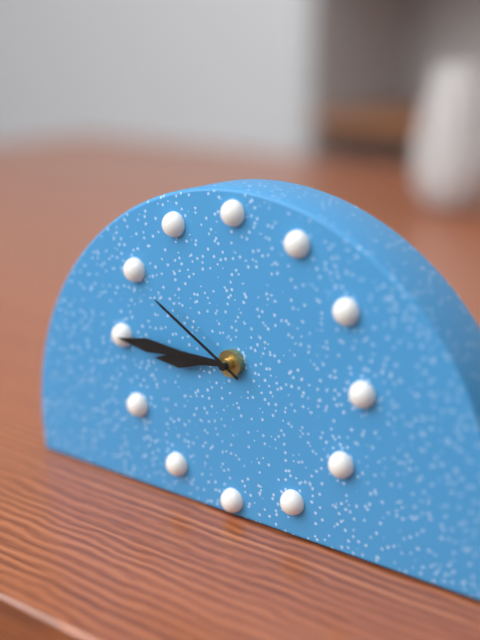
**8:45:50**
